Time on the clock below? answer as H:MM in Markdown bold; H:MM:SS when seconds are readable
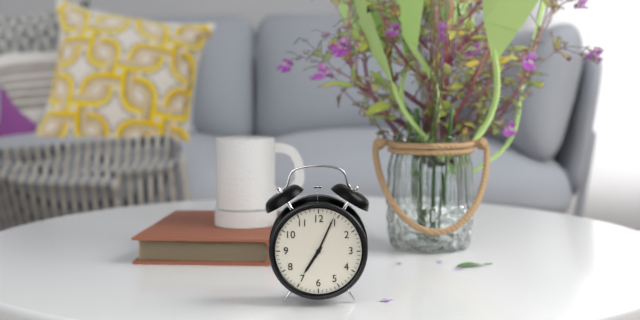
**7:04**
